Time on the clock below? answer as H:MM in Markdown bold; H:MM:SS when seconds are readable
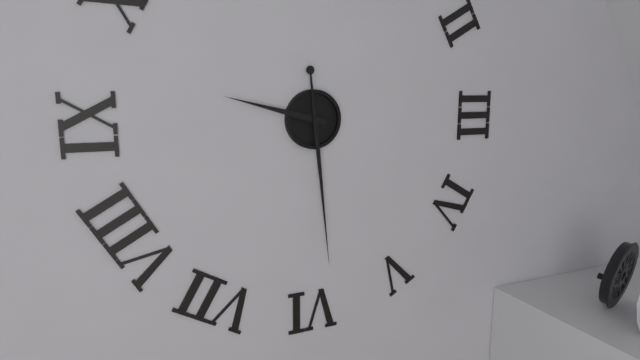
**9:29**
